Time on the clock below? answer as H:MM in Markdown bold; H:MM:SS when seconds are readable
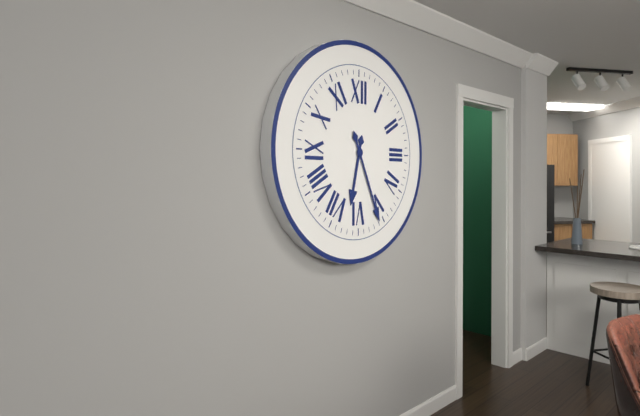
**6:26**
